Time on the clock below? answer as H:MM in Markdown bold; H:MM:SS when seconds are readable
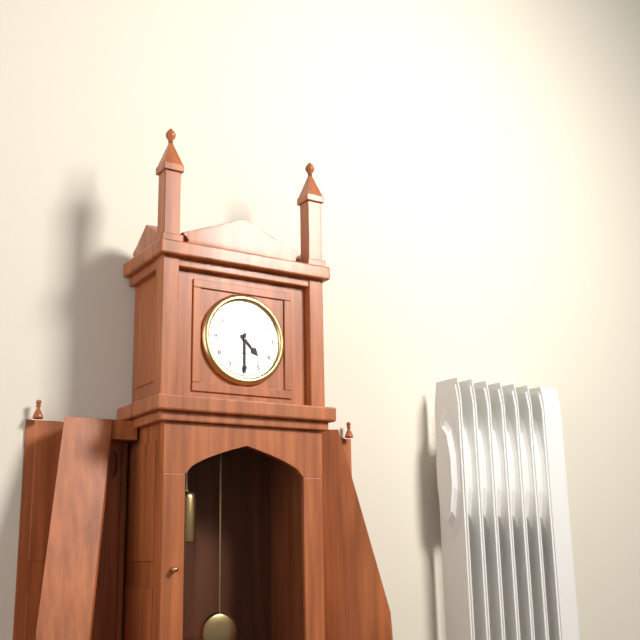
**4:30**
